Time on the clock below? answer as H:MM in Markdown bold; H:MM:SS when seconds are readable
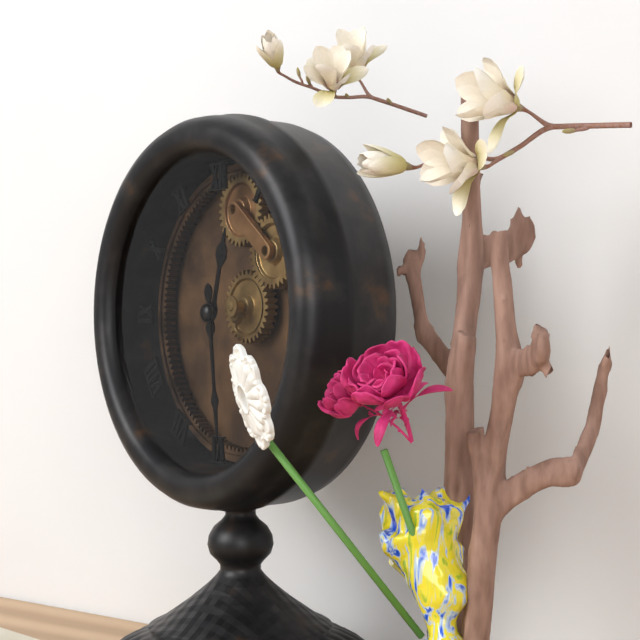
**12:29**
